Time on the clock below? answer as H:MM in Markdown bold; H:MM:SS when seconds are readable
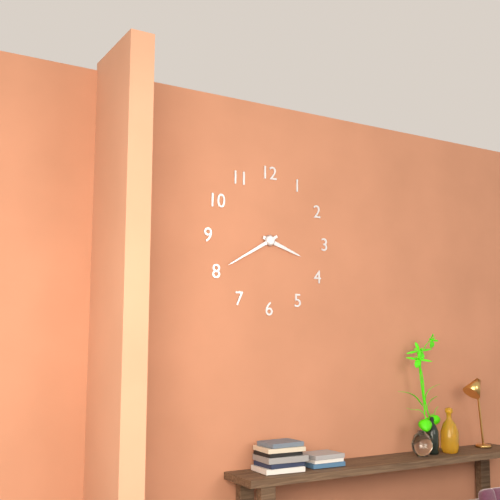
**3:40**
